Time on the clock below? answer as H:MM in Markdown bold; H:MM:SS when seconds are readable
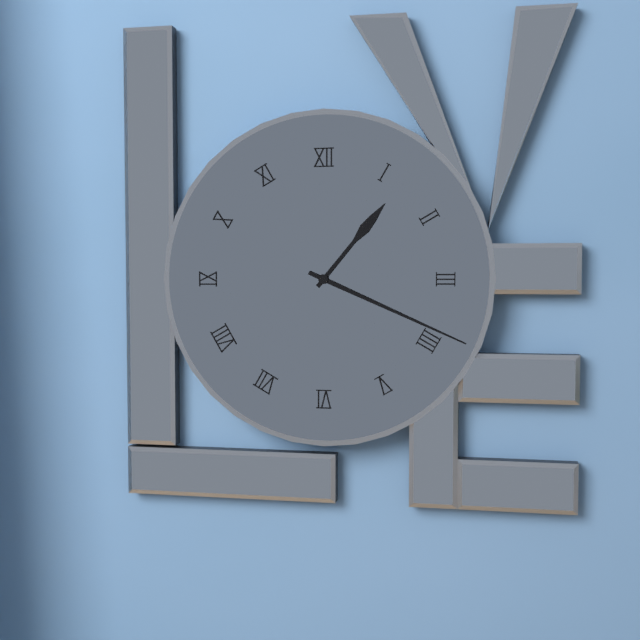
**1:19**
